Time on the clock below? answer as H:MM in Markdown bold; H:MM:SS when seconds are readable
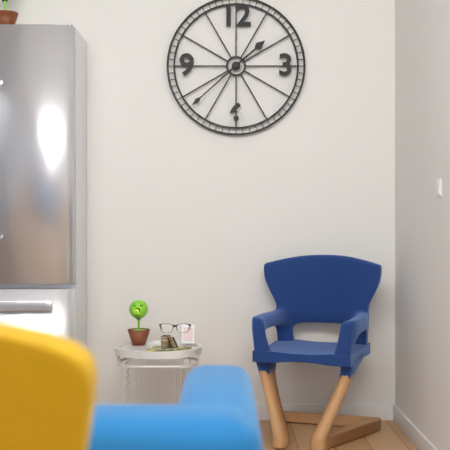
**1:38**
